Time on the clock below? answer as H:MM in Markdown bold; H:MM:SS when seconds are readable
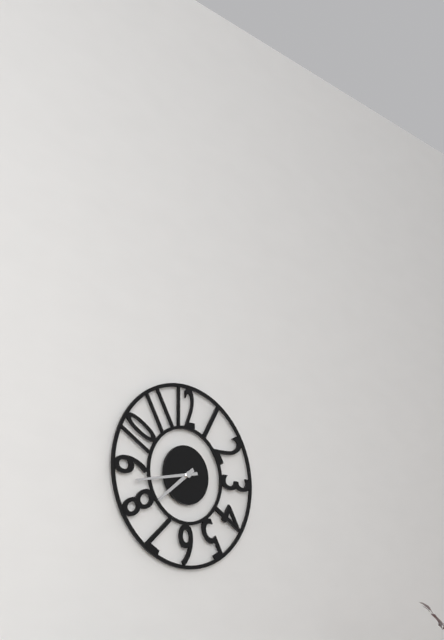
**7:43**
